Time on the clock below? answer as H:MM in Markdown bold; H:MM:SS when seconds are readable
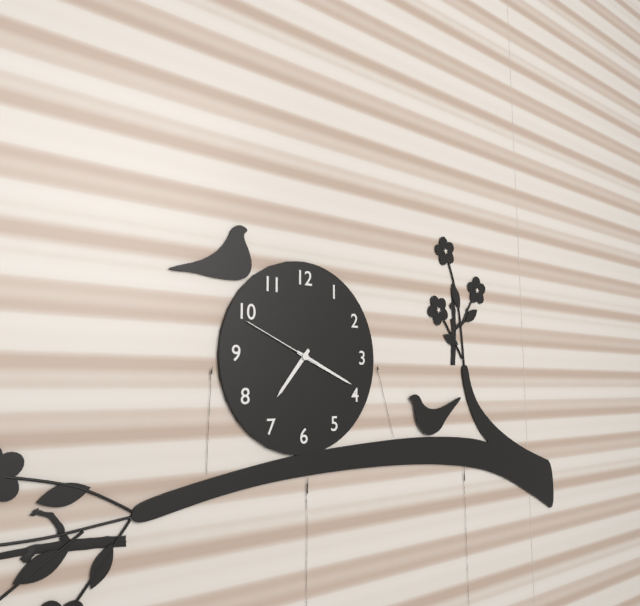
**7:19:49**
